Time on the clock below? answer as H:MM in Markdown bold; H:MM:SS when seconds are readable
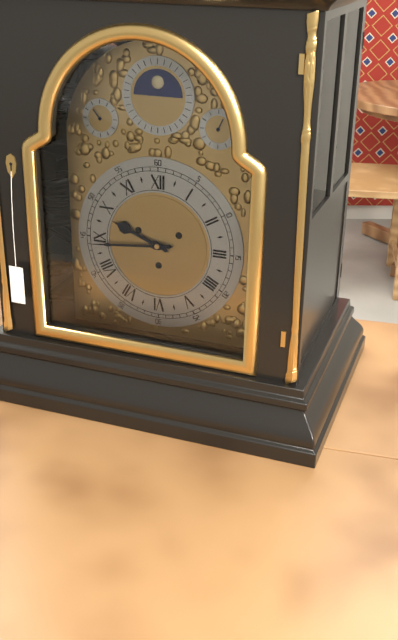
**9:44**
